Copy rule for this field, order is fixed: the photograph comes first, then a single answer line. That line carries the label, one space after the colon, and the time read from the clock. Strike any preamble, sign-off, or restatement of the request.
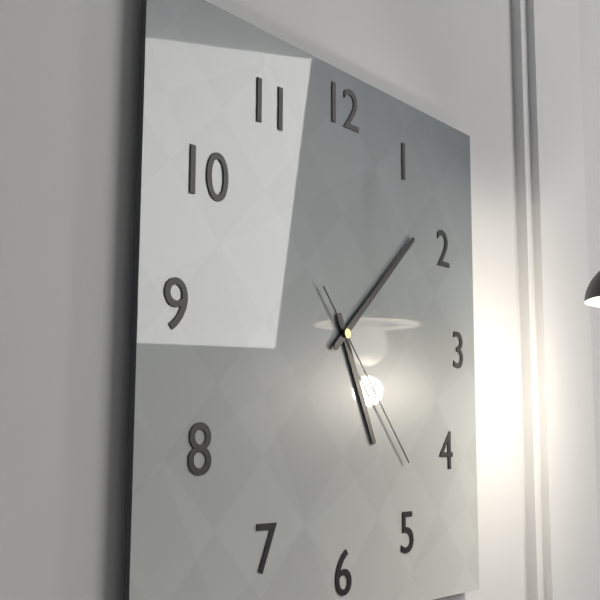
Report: 5:08:23
